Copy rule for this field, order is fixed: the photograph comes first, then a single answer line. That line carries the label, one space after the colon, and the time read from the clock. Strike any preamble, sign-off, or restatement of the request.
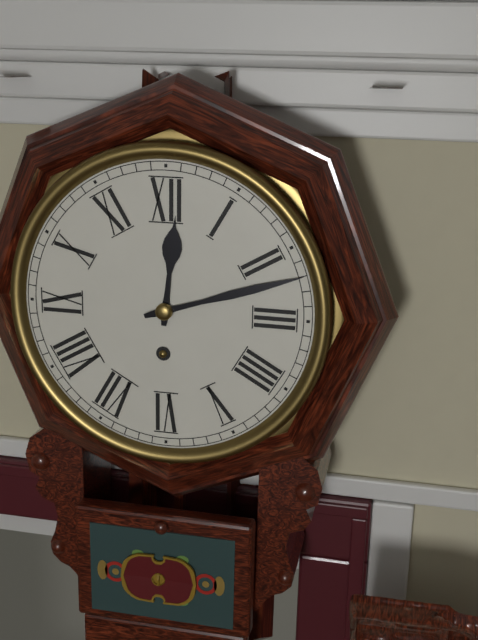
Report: 12:12
